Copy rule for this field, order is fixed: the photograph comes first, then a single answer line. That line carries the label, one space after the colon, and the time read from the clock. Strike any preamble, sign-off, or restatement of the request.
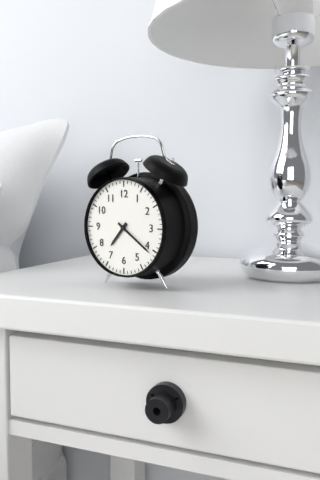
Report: 7:21
